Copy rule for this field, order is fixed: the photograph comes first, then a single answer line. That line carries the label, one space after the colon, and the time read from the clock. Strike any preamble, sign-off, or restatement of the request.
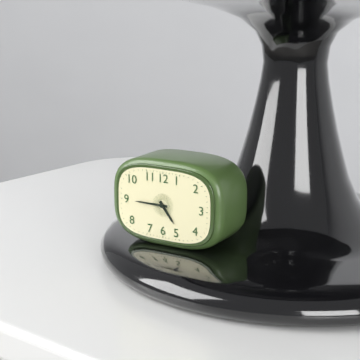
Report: 4:45
